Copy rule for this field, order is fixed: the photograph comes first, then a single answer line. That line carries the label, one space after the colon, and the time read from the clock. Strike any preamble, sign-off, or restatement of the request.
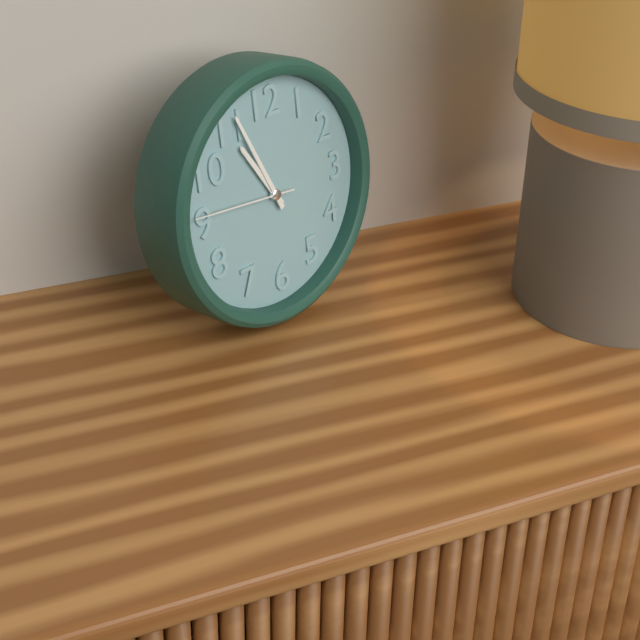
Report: 10:56:46
